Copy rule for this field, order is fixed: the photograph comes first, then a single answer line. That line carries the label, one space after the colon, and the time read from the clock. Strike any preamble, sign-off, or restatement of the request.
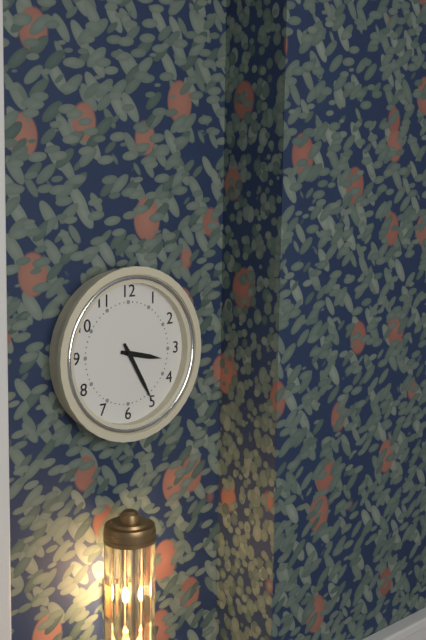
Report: 3:25
